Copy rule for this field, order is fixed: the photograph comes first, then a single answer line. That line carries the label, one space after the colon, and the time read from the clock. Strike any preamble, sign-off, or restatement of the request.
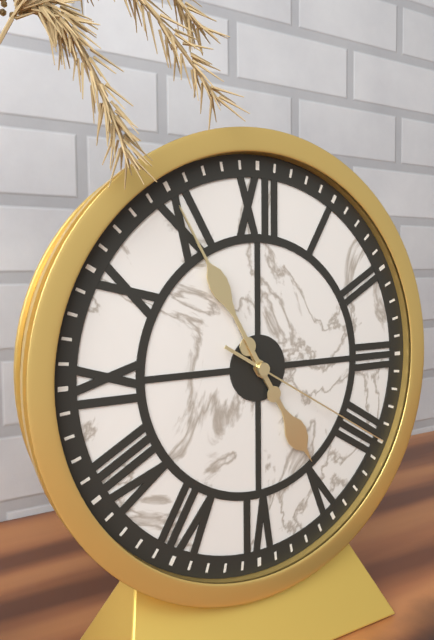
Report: 4:55:20
